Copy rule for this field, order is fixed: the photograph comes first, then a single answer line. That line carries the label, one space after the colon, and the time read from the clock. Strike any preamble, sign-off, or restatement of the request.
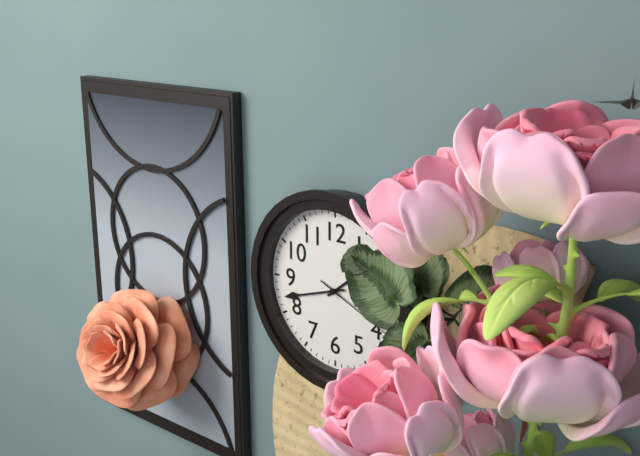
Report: 1:42:19
